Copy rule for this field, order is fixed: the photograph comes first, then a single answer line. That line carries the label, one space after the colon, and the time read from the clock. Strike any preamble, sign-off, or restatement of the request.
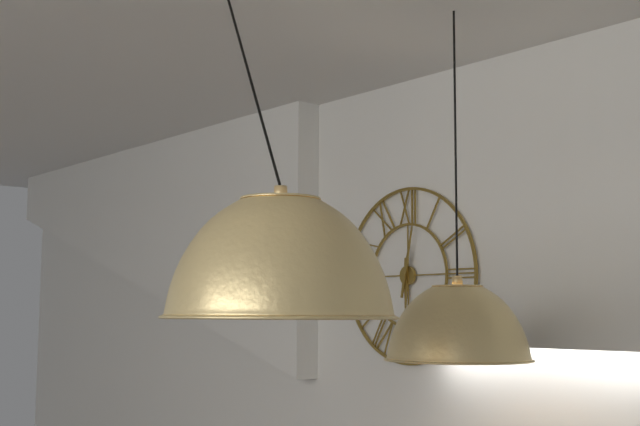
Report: 6:02
